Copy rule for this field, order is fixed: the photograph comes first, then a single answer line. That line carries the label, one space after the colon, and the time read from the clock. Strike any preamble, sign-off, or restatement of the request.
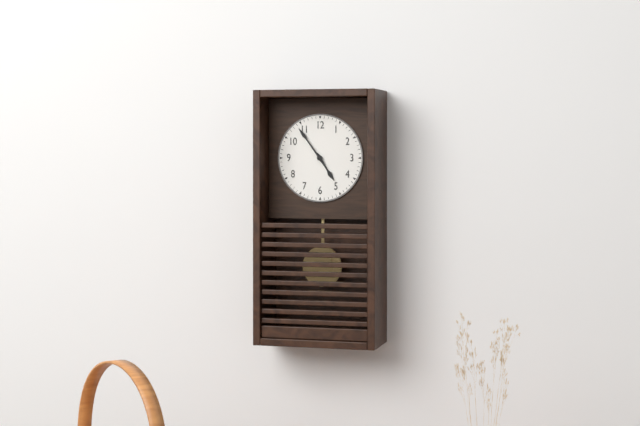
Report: 4:54
